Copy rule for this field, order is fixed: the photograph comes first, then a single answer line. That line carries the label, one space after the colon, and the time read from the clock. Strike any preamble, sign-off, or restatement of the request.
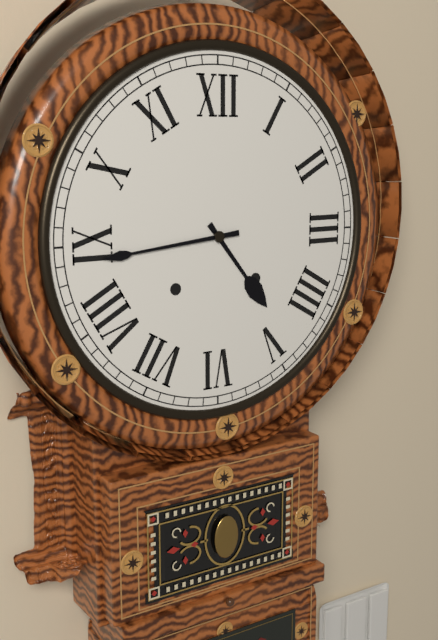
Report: 4:44
